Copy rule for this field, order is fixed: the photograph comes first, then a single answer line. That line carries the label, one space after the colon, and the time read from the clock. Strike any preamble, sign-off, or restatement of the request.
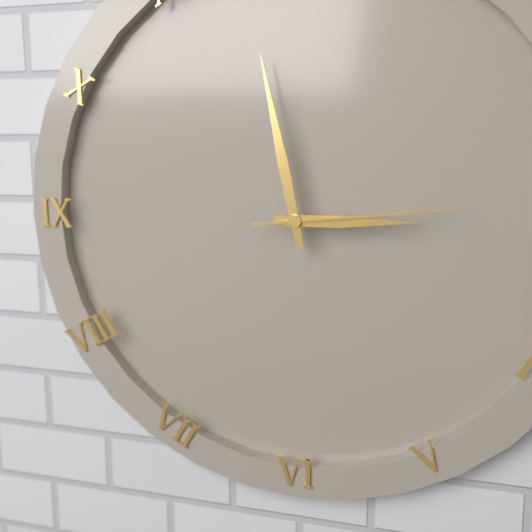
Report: 2:58:14
